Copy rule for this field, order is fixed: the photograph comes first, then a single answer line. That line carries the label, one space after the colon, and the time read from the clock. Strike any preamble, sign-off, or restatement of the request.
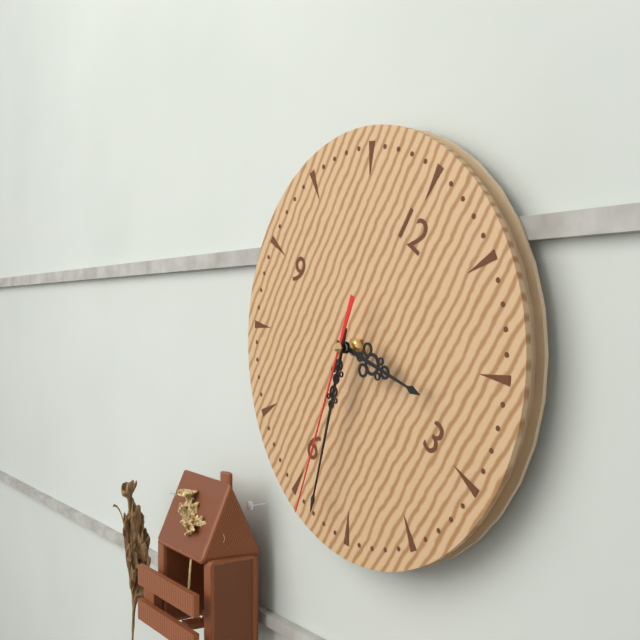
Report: 2:27:28
